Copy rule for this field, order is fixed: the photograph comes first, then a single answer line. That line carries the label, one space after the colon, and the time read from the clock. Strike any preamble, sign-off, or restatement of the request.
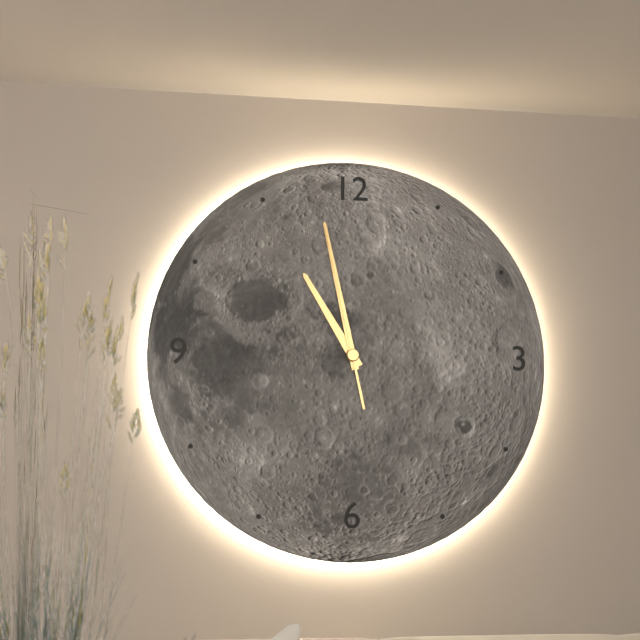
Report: 10:58:58
